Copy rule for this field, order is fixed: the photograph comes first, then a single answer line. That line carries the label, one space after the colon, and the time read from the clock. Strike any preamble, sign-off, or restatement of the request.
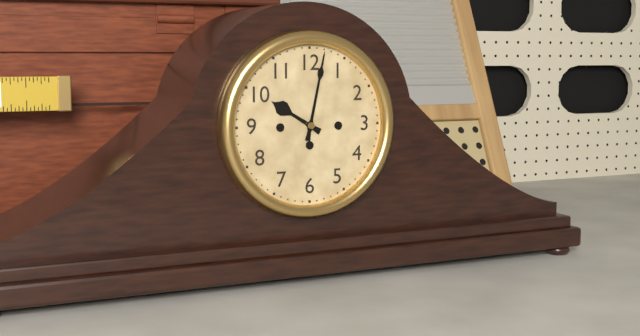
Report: 10:02
